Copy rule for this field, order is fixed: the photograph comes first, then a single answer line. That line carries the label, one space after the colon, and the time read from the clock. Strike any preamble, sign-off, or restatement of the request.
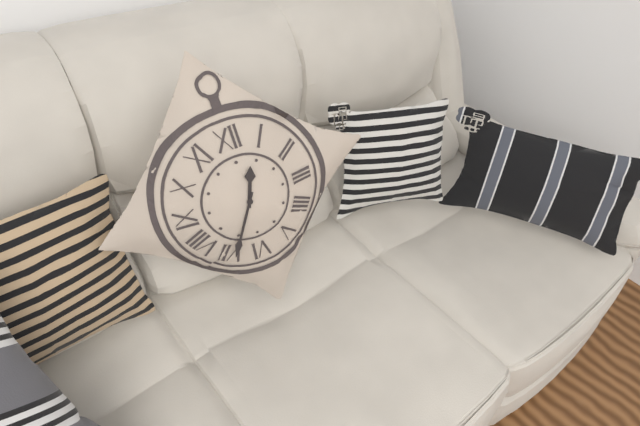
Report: 12:35
